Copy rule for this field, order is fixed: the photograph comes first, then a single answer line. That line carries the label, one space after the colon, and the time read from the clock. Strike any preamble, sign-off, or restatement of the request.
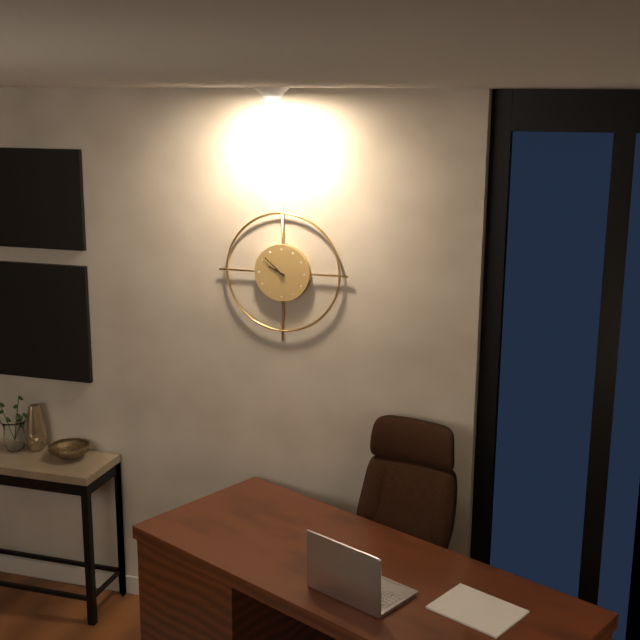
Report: 9:52
